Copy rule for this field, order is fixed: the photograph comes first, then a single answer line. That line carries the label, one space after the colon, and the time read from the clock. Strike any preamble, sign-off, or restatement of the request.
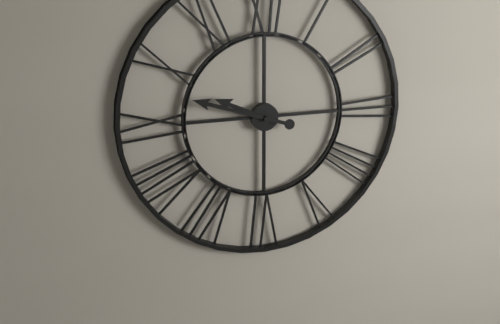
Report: 9:48
